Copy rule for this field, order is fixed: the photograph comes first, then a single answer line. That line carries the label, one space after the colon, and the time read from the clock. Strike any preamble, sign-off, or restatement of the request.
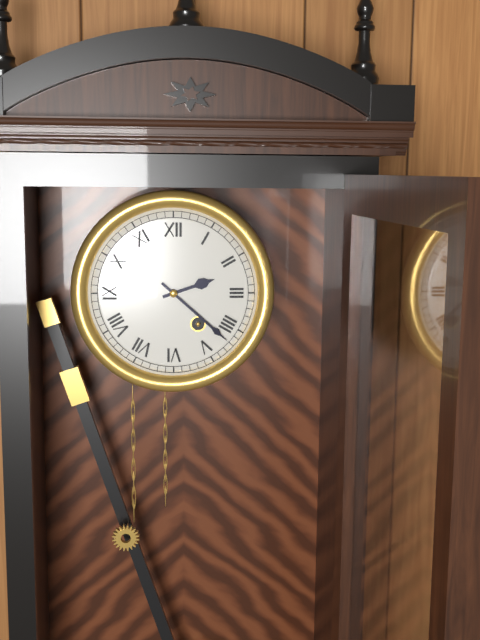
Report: 2:22
